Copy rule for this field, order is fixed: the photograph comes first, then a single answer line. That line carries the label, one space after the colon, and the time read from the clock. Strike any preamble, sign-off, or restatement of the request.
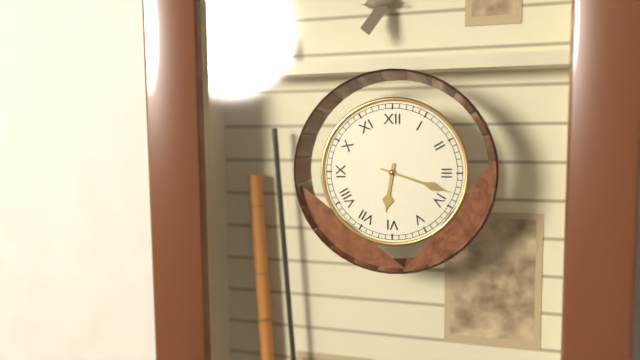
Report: 6:18
